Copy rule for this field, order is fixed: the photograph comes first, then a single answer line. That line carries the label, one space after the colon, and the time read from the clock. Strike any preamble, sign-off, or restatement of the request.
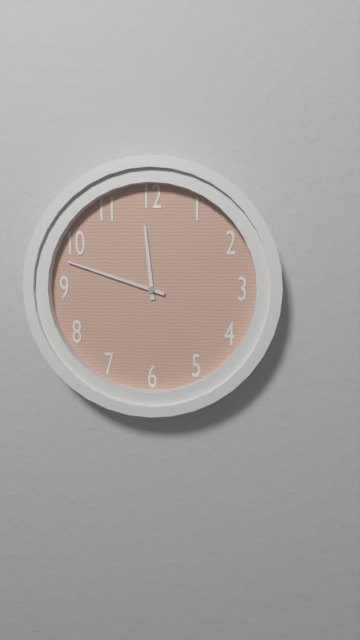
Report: 11:48
